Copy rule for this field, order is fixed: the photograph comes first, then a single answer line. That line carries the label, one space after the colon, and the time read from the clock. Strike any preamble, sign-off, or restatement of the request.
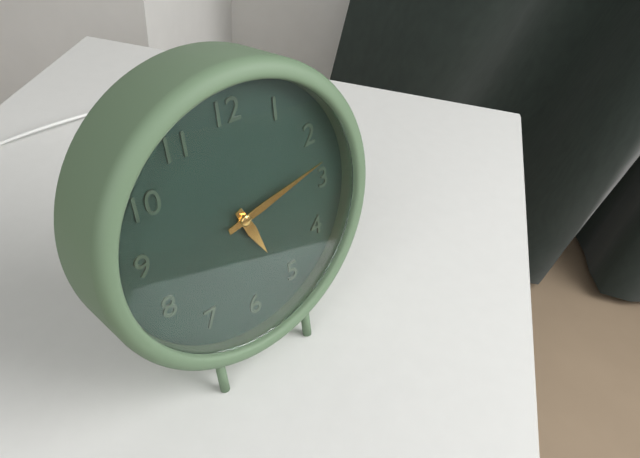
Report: 5:13
